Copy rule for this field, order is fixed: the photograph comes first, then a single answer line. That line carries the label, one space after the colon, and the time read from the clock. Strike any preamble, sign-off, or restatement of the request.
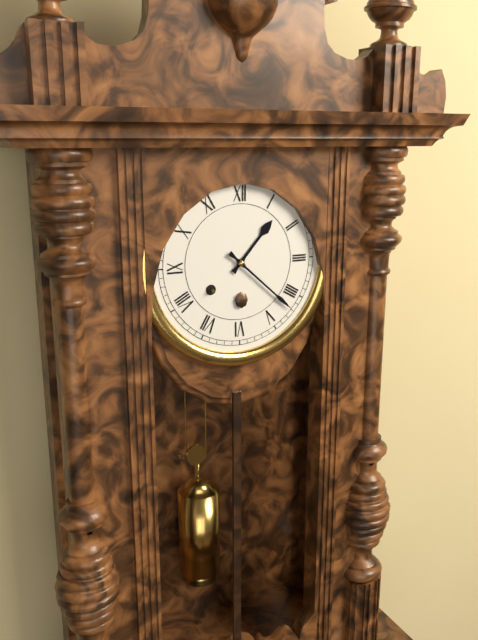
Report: 1:22
